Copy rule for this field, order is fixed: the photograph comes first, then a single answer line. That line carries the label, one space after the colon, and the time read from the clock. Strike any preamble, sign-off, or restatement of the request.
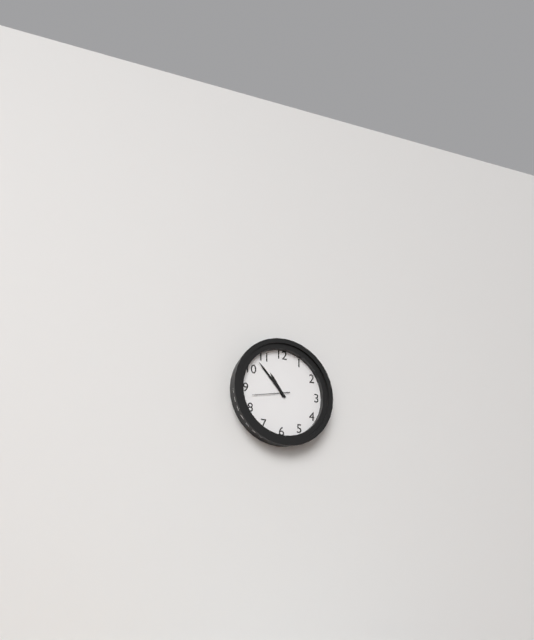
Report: 10:53
